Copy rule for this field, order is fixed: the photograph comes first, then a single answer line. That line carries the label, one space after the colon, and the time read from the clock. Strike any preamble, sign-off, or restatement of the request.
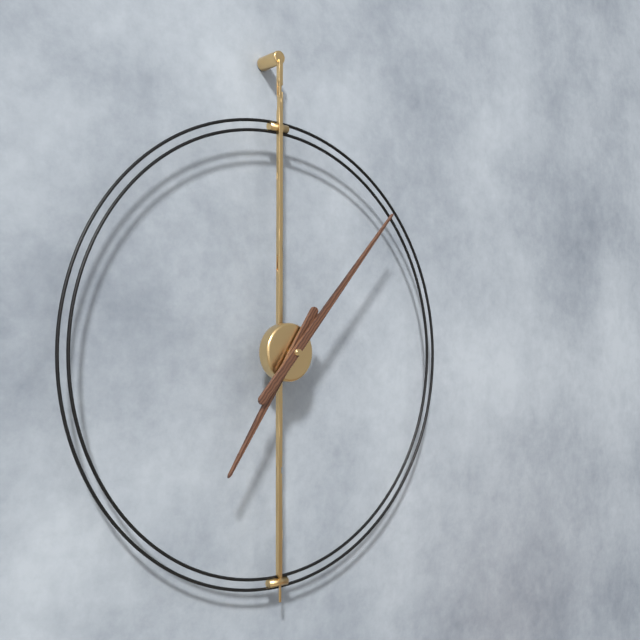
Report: 7:07
